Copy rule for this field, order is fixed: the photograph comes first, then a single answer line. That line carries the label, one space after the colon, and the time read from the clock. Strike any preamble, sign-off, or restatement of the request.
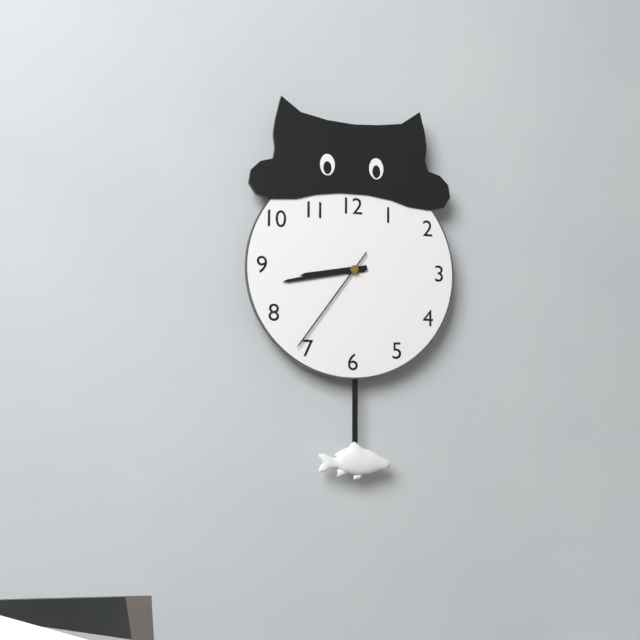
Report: 8:43:36
